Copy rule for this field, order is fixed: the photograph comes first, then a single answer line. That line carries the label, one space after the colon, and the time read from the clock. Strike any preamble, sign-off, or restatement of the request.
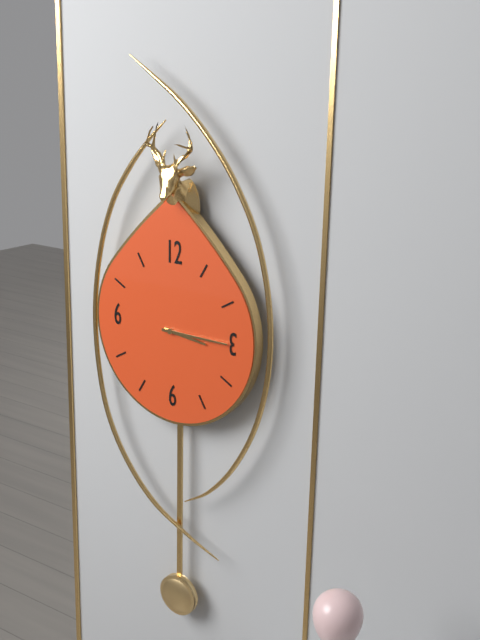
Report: 3:15
